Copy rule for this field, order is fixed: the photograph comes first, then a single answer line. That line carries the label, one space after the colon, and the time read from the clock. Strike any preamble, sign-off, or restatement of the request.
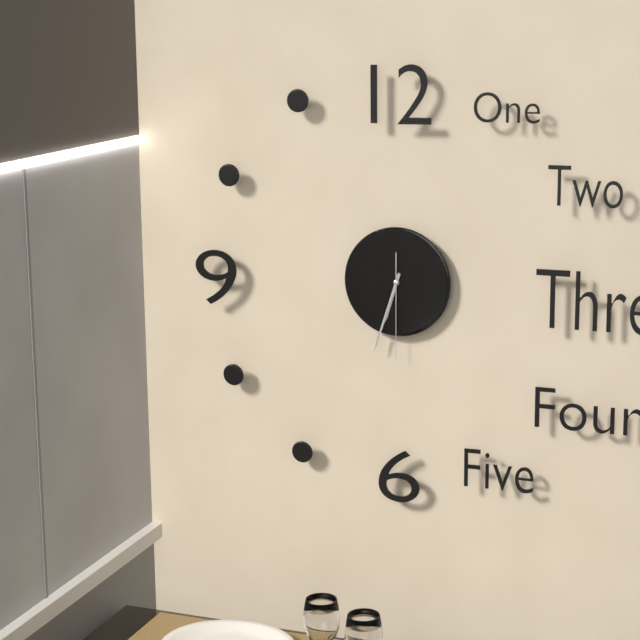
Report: 6:33:30
